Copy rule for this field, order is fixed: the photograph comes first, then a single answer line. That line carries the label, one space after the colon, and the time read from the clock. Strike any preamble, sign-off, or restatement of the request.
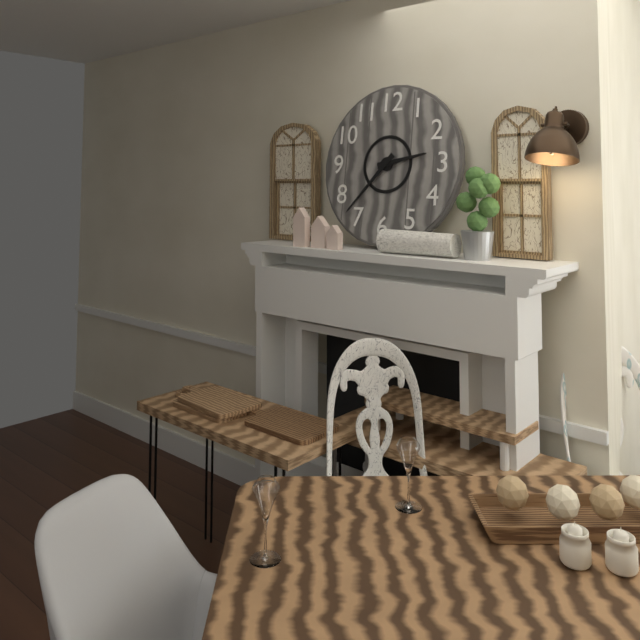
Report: 2:37
